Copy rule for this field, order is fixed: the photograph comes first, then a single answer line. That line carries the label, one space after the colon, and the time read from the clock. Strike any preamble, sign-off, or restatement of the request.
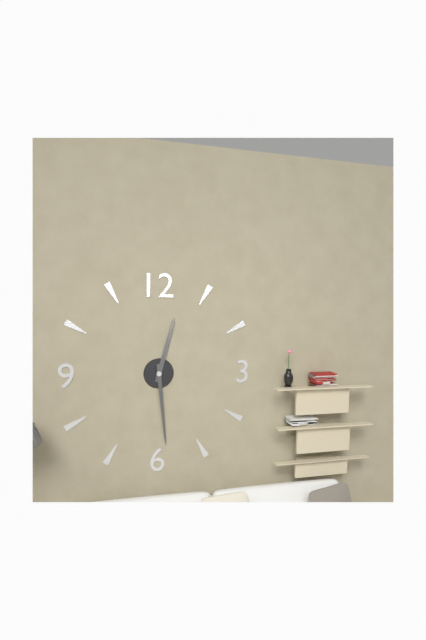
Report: 12:29
